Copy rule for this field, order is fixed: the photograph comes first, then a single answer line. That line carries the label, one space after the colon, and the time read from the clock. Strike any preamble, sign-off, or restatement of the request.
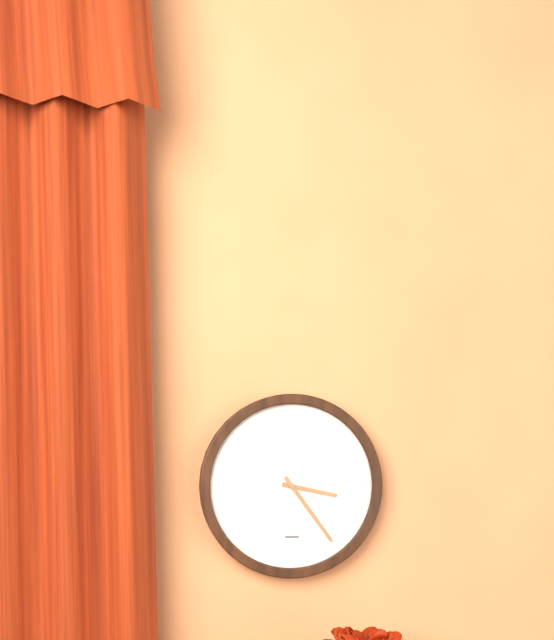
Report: 3:24
